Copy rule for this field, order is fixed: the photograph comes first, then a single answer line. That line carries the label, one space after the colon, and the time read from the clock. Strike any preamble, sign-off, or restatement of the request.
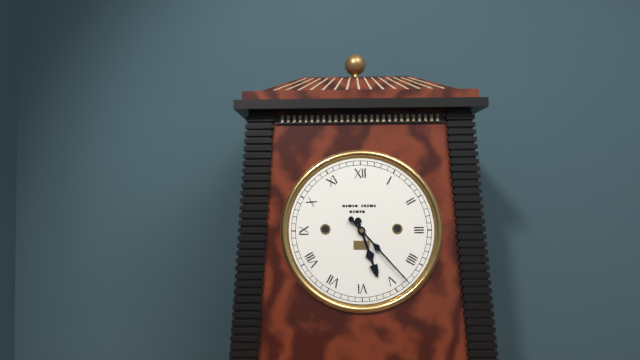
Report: 5:23
